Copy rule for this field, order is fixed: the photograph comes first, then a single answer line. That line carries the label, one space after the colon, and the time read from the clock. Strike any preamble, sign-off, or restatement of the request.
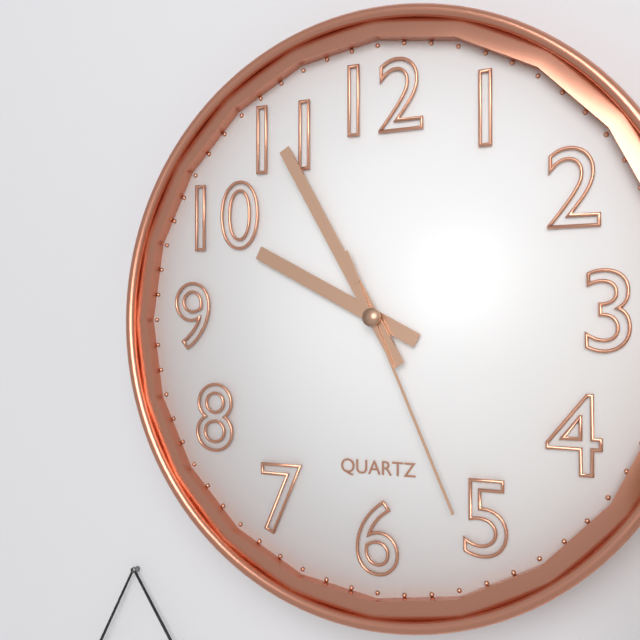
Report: 9:55:26
